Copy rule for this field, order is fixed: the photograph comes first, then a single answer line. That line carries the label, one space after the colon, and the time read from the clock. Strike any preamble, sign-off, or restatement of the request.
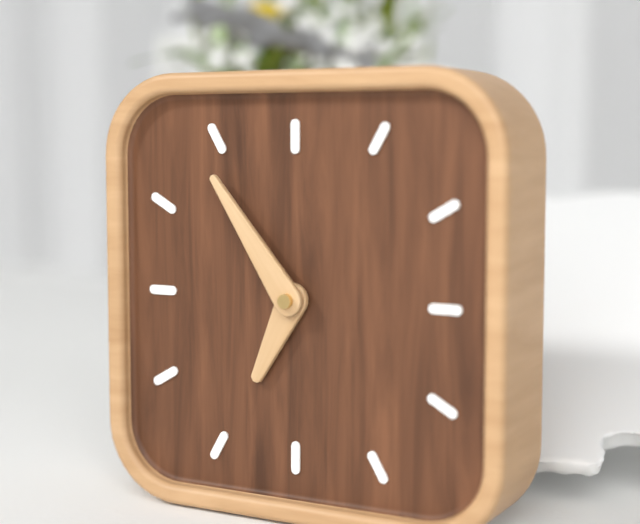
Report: 6:54
